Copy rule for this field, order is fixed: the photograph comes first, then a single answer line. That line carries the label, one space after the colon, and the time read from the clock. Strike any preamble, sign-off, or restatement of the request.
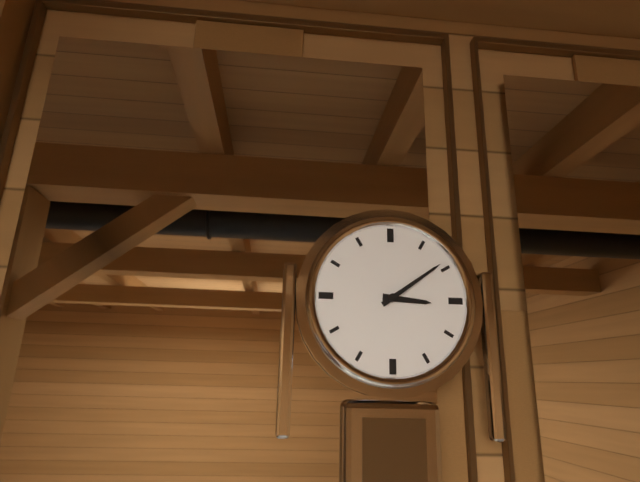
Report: 3:09
